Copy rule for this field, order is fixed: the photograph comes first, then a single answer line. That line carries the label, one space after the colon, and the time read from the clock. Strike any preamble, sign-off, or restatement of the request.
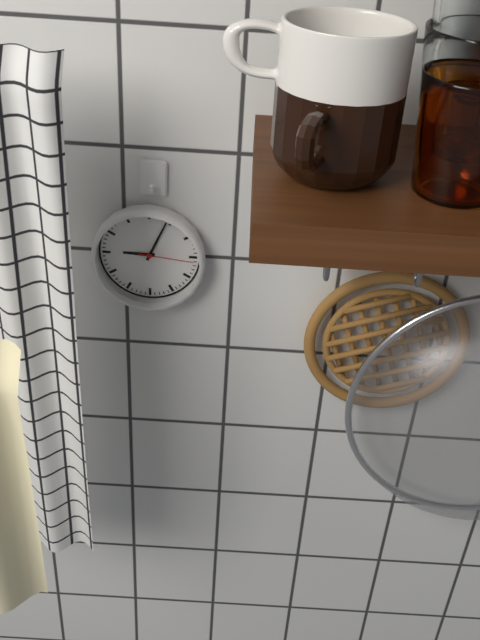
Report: 9:04:16
